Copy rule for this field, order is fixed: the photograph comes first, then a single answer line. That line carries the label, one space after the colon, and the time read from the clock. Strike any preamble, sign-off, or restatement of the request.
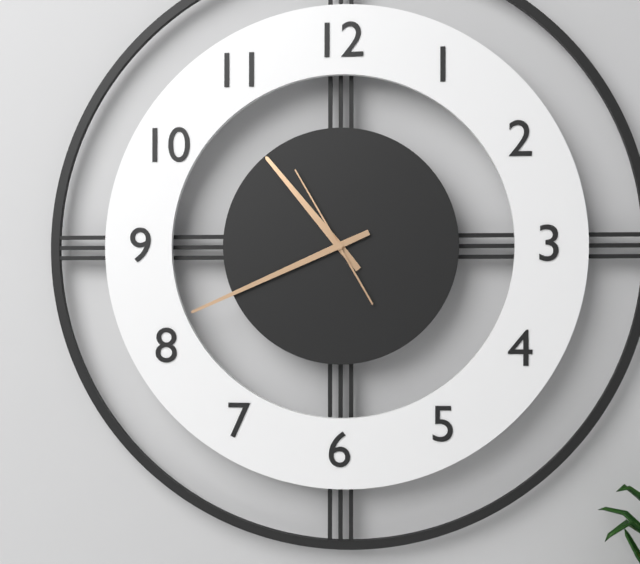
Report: 10:41:55
